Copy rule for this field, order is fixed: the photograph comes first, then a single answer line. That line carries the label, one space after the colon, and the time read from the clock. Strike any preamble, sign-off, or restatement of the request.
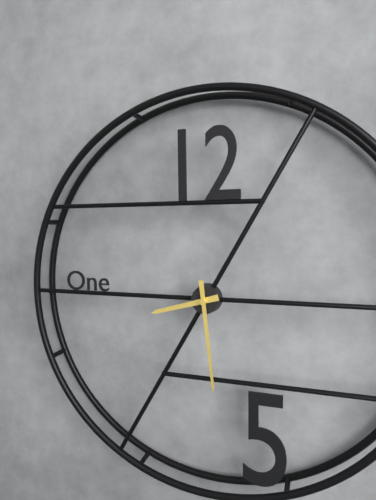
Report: 8:29
